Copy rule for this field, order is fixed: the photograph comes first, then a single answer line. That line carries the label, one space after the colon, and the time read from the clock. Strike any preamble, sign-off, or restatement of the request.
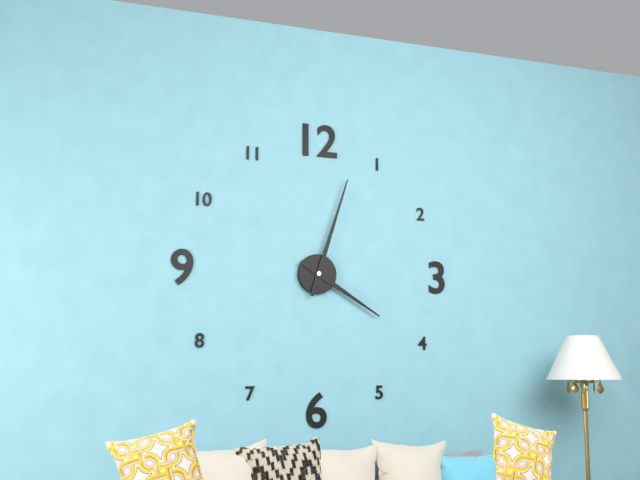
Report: 4:03
